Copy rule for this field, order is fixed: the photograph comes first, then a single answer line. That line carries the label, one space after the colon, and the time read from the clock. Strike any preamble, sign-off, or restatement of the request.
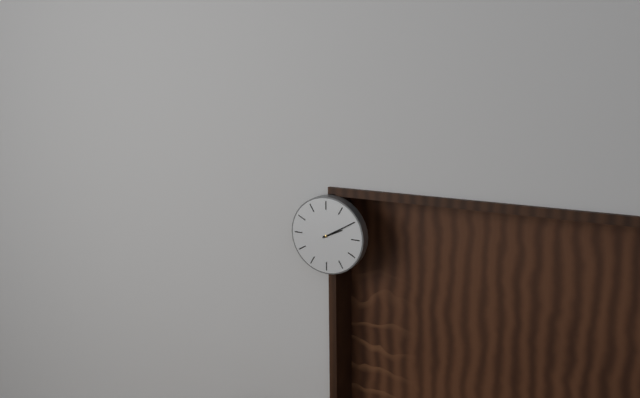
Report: 2:10
